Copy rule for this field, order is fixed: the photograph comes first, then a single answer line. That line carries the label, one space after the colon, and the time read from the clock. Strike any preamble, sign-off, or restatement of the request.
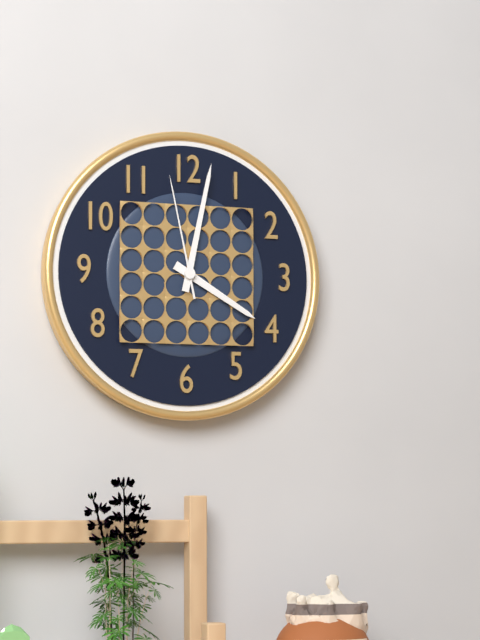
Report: 4:02:58
